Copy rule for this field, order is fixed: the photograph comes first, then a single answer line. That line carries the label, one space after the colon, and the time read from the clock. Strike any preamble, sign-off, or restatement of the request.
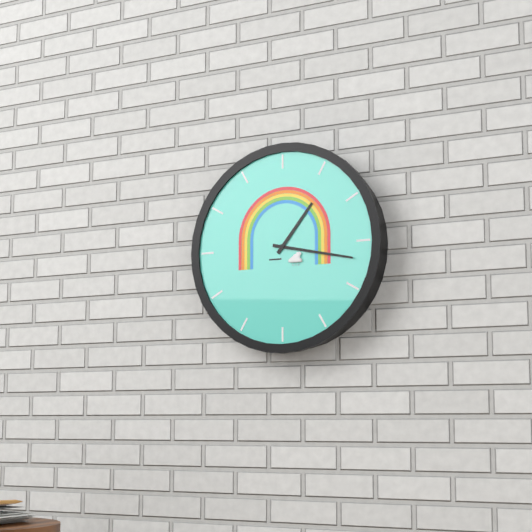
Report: 1:17
